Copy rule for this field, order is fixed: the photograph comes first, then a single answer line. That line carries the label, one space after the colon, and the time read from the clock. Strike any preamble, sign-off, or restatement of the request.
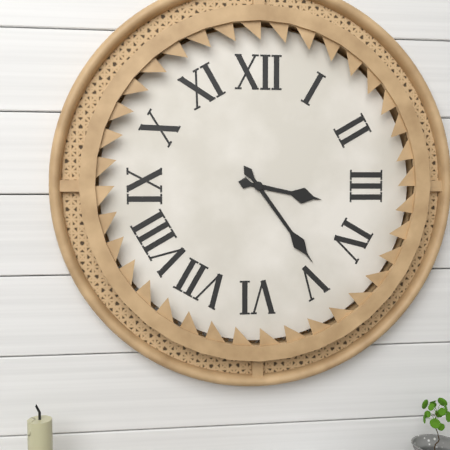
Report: 3:24
